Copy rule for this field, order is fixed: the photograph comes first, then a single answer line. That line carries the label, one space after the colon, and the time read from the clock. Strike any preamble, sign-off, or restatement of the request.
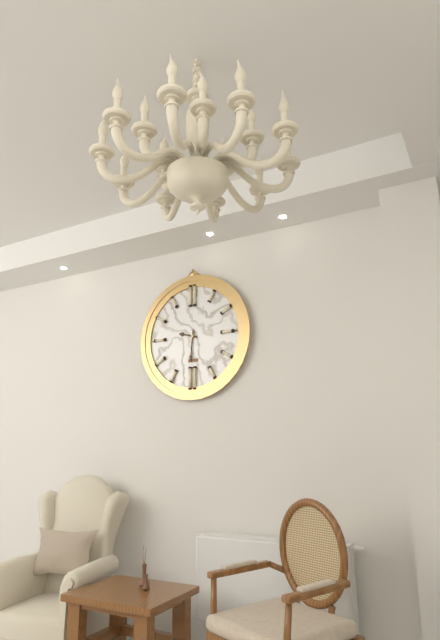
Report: 9:31
